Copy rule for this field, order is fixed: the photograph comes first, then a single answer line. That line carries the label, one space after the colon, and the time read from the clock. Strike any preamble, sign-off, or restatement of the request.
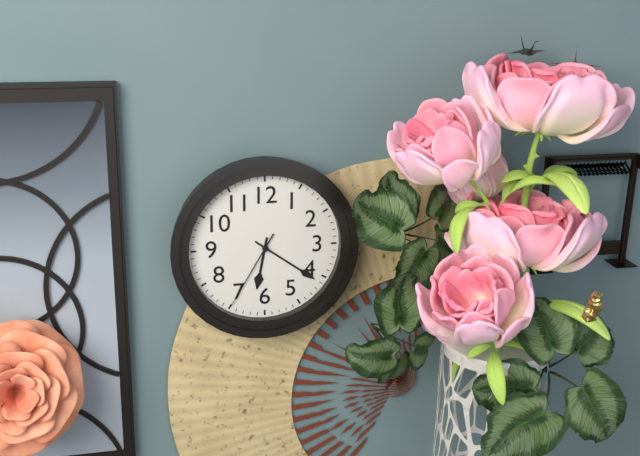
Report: 6:21:35
